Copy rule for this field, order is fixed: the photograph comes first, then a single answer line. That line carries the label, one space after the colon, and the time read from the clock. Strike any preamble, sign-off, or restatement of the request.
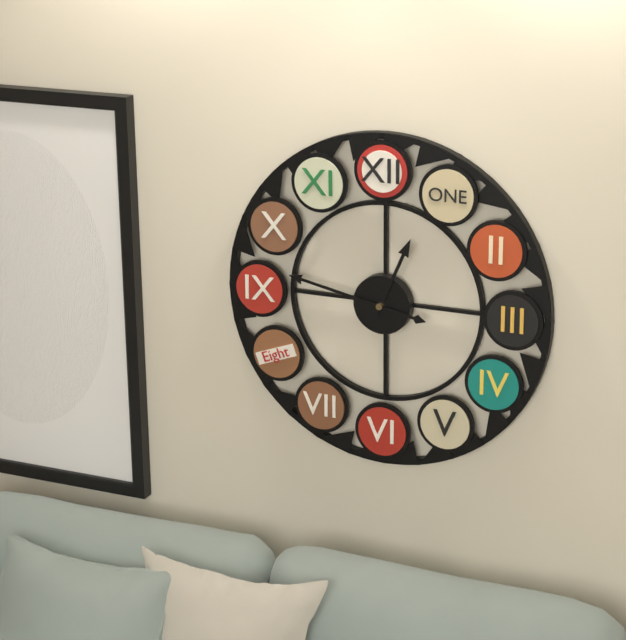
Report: 12:47
